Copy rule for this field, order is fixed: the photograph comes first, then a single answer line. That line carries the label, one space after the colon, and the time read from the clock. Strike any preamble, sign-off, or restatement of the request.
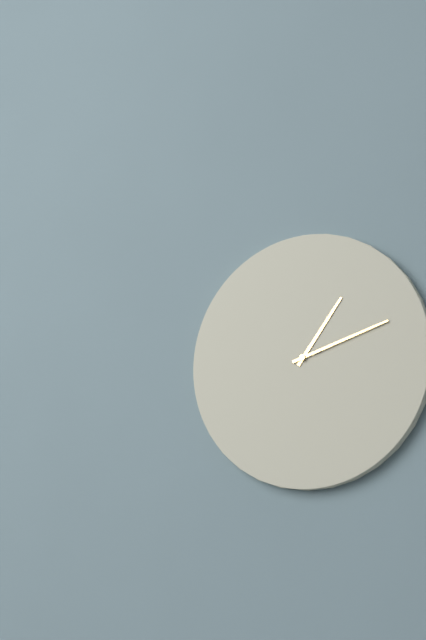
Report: 1:12
